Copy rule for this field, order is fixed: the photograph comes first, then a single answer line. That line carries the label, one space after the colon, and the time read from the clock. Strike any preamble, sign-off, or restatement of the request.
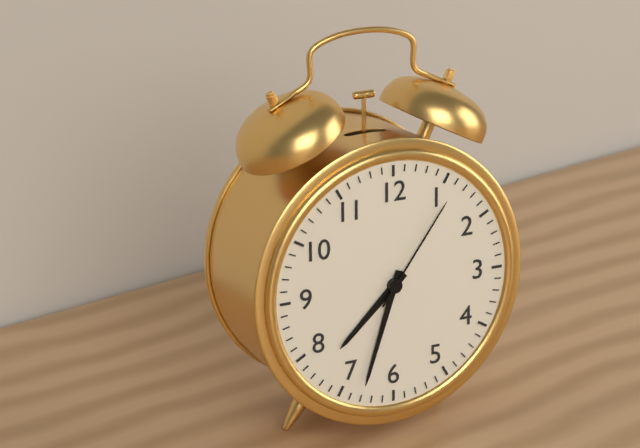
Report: 7:33:06
